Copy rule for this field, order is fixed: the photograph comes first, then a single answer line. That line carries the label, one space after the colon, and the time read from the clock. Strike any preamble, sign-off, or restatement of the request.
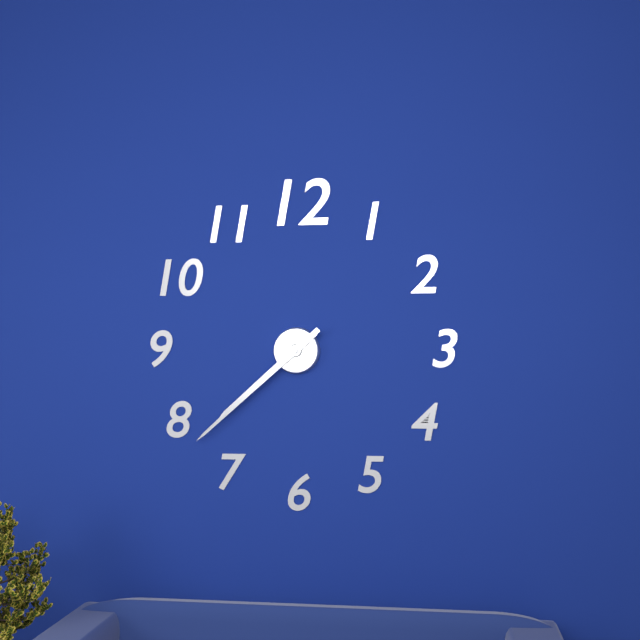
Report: 7:38
